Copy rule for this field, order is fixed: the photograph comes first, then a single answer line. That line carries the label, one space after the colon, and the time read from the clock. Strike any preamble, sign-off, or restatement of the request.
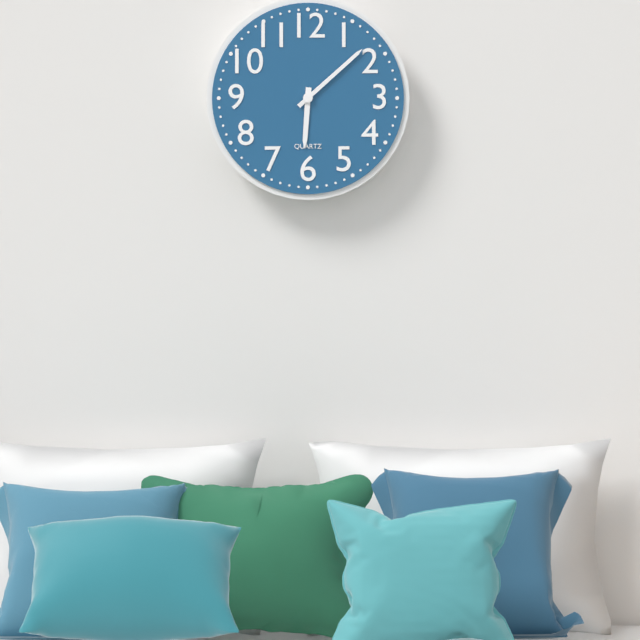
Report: 6:08
